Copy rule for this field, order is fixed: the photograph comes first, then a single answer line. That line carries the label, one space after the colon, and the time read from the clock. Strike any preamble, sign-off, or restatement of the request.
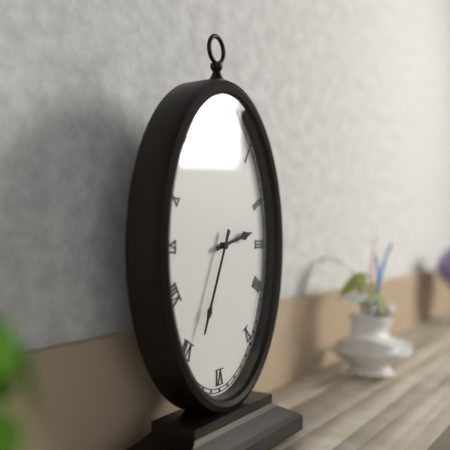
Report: 2:34
